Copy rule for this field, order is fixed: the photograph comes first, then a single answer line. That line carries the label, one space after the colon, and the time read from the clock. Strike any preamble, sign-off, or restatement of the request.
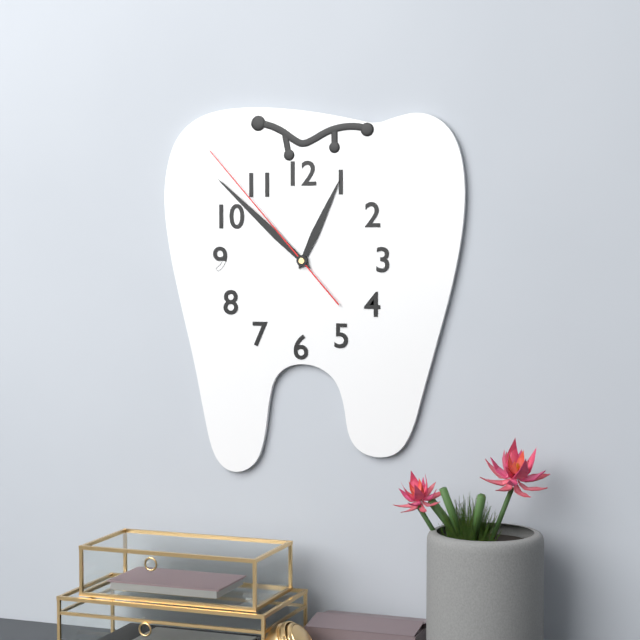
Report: 12:52:53
